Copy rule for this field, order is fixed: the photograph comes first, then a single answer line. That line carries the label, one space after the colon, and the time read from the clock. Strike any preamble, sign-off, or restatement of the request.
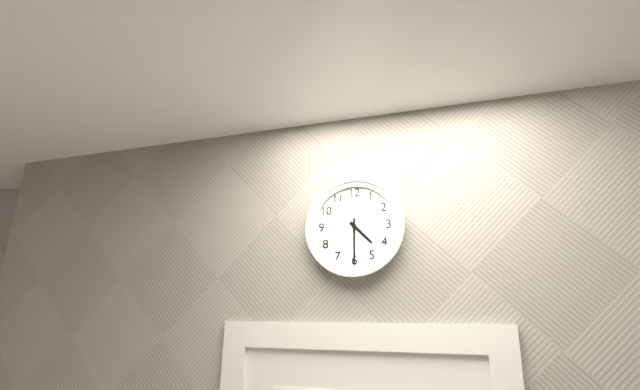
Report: 4:30
